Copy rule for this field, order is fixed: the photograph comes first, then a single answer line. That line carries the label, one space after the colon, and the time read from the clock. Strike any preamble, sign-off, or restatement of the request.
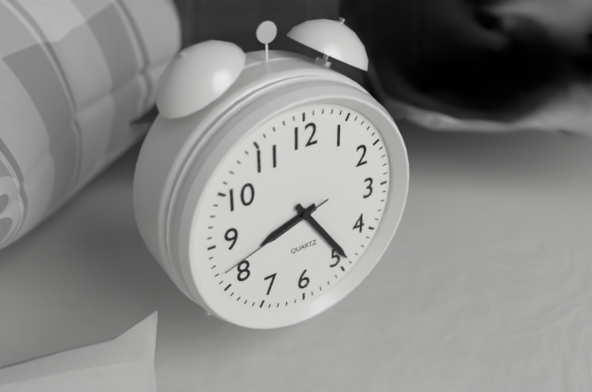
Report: 8:24:42
